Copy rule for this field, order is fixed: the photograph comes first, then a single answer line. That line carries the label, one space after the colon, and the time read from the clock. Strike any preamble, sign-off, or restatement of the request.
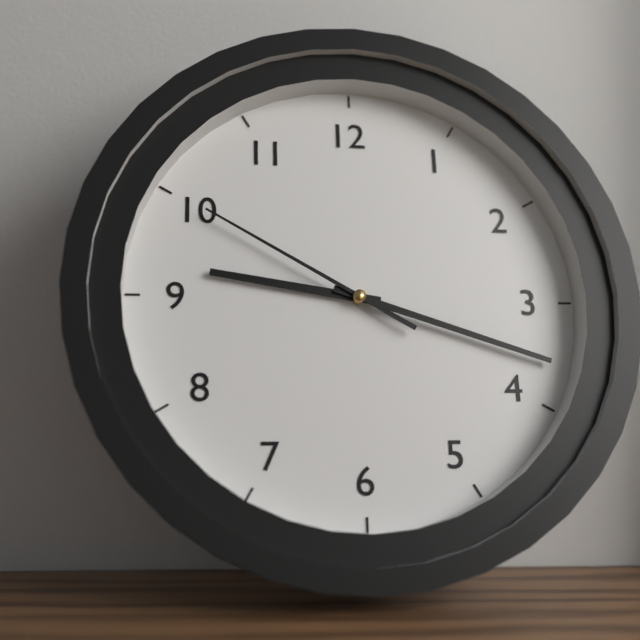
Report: 9:18:50
